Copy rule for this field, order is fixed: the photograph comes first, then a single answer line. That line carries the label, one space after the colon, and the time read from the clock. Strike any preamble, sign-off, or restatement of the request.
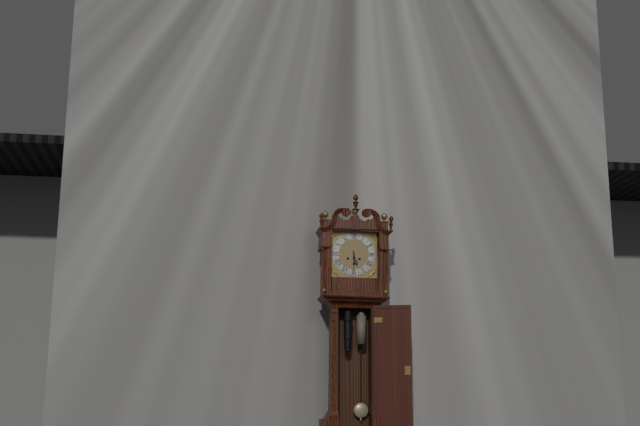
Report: 5:30
